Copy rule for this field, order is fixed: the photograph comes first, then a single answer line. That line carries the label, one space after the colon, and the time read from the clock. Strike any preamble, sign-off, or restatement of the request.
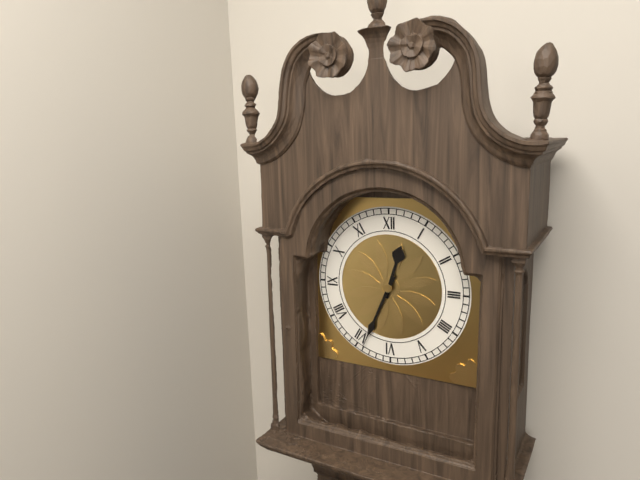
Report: 12:34
